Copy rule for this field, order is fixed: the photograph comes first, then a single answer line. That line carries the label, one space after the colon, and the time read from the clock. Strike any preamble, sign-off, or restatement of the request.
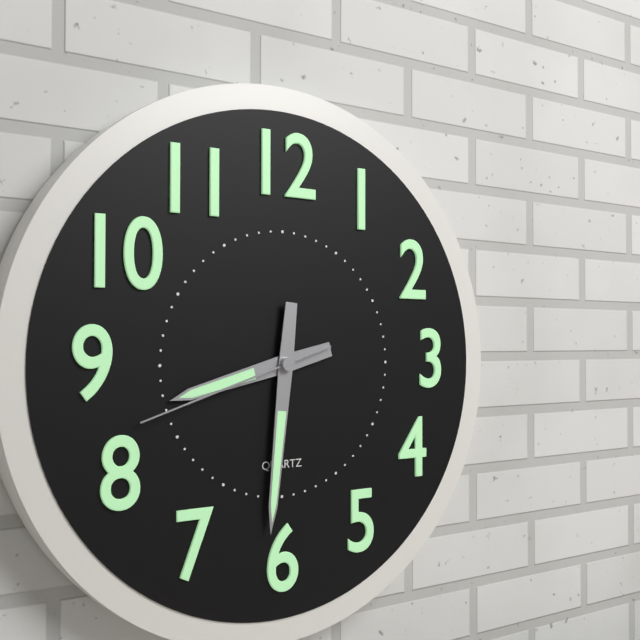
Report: 8:31:42
